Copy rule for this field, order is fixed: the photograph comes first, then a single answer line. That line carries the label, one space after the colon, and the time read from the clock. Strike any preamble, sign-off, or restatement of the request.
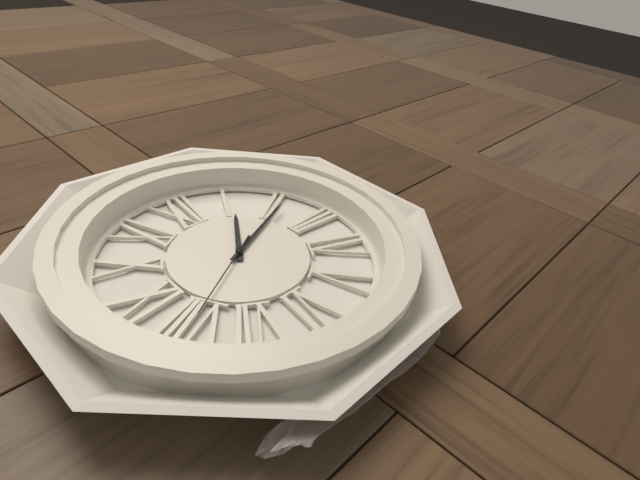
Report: 1:11:40
